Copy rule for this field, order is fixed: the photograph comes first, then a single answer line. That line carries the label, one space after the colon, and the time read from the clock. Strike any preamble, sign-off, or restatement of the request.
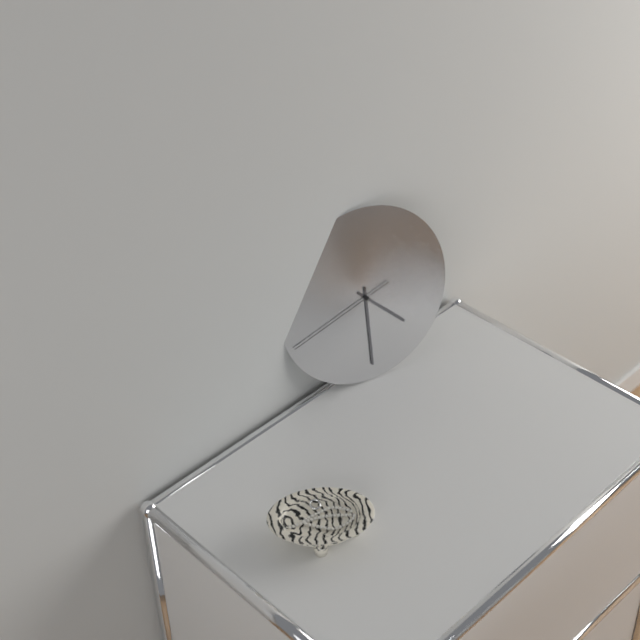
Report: 4:30:42
